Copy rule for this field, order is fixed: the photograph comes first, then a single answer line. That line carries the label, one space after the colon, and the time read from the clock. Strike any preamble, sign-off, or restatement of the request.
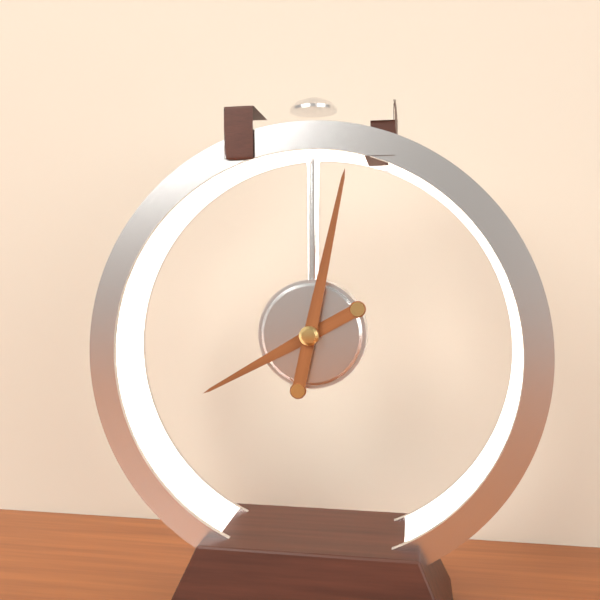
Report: 8:02
